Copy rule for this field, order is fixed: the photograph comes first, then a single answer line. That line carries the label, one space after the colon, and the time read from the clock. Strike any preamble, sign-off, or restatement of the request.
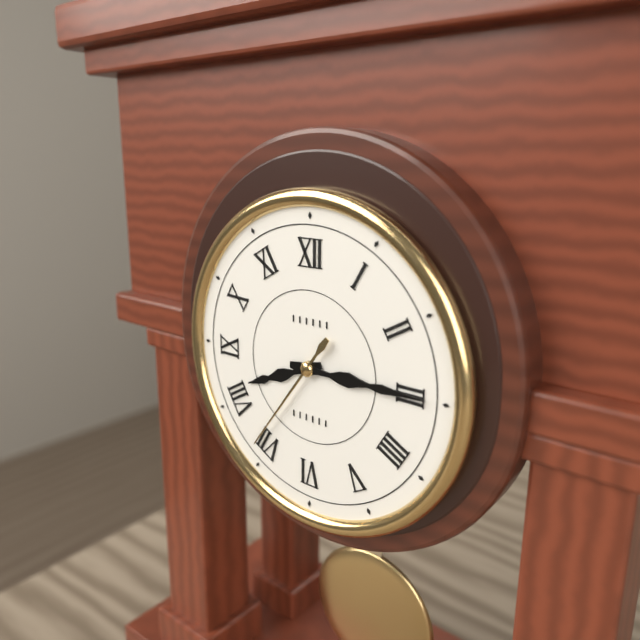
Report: 8:15:36
